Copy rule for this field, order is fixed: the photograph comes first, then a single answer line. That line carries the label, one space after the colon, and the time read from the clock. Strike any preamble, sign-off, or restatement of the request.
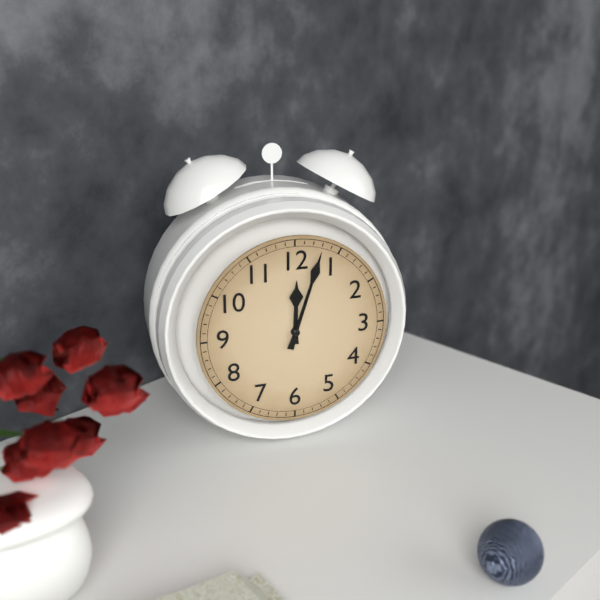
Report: 12:03
